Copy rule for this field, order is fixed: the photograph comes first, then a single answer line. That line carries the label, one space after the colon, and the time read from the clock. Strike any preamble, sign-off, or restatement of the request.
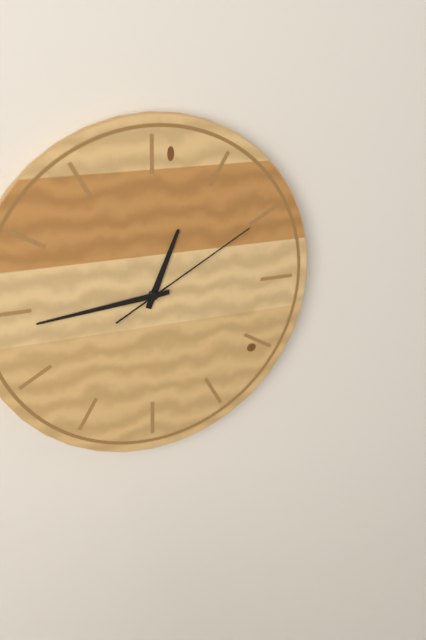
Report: 12:44:10
